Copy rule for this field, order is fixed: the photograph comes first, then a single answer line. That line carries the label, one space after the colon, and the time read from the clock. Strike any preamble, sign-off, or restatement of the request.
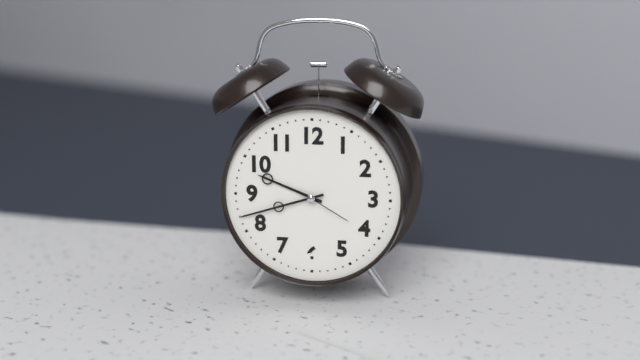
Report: 9:42:20
